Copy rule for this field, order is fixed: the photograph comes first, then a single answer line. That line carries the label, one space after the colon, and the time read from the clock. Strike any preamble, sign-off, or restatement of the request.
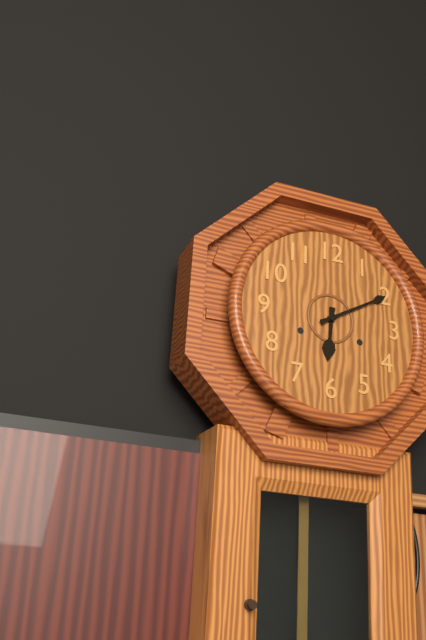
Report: 6:10
